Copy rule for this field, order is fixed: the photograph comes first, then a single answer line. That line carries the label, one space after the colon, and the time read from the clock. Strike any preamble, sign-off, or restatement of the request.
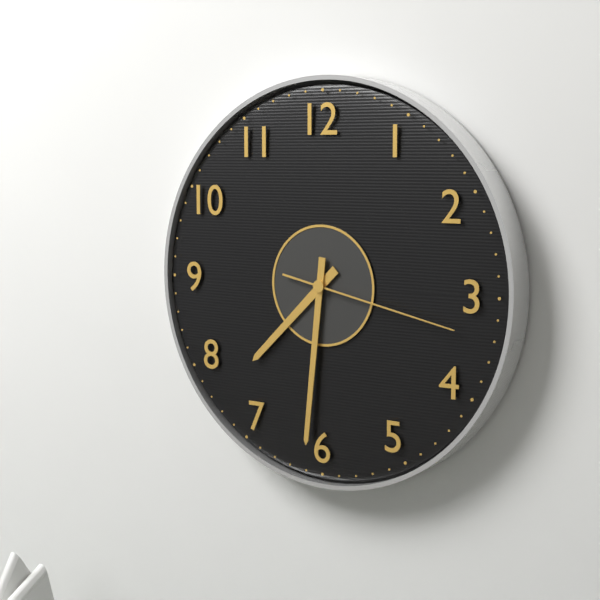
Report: 7:31:17
